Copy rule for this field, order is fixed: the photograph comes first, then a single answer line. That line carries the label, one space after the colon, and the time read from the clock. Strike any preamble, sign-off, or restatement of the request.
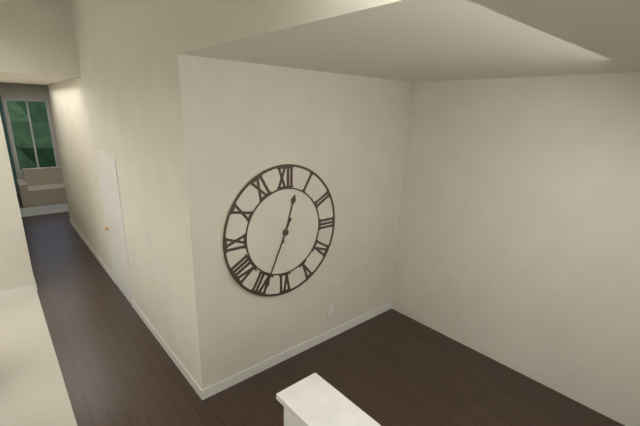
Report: 12:34
